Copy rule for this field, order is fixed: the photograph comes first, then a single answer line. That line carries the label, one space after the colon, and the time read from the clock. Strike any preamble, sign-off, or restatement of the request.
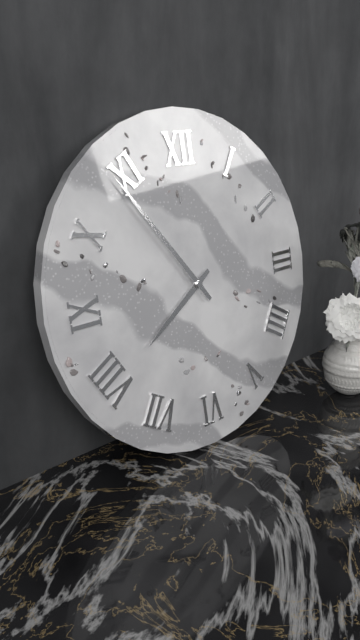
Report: 7:54
